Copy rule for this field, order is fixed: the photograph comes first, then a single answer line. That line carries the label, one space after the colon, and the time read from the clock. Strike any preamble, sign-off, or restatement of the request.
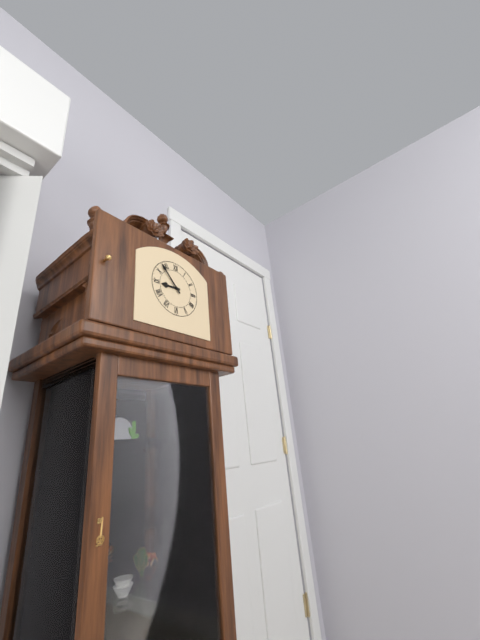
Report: 8:53
